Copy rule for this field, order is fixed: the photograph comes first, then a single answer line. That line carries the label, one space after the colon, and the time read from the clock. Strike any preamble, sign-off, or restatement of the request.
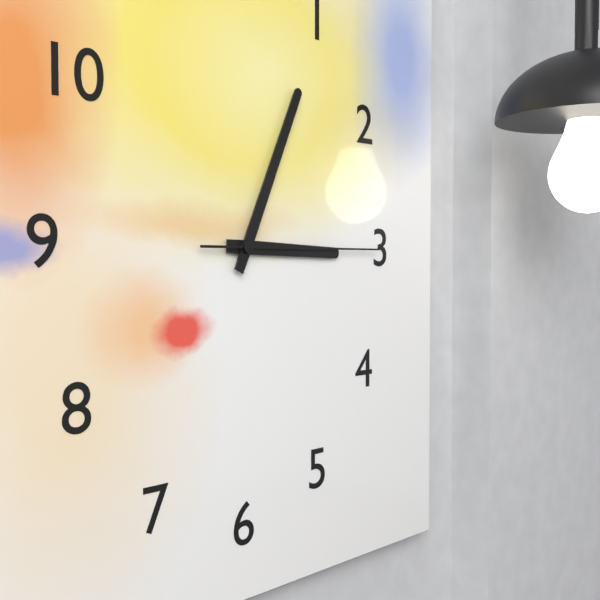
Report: 3:04:15
